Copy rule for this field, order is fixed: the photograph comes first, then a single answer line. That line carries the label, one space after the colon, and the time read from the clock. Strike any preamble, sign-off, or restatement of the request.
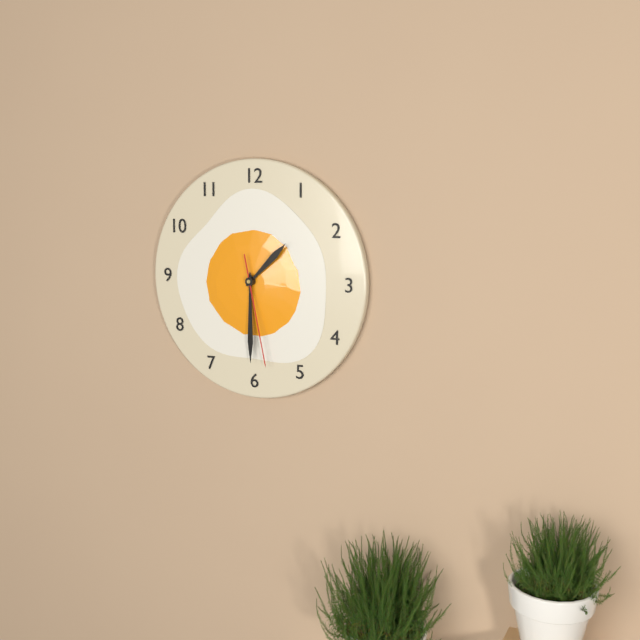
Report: 1:30:28
